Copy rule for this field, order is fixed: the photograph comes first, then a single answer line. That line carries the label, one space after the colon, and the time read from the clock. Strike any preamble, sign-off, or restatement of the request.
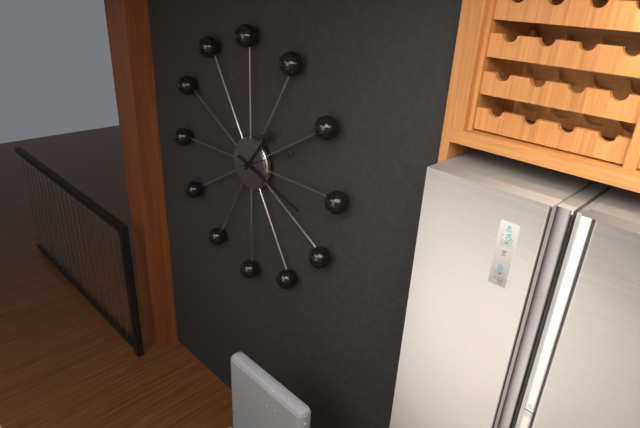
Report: 1:18:11
